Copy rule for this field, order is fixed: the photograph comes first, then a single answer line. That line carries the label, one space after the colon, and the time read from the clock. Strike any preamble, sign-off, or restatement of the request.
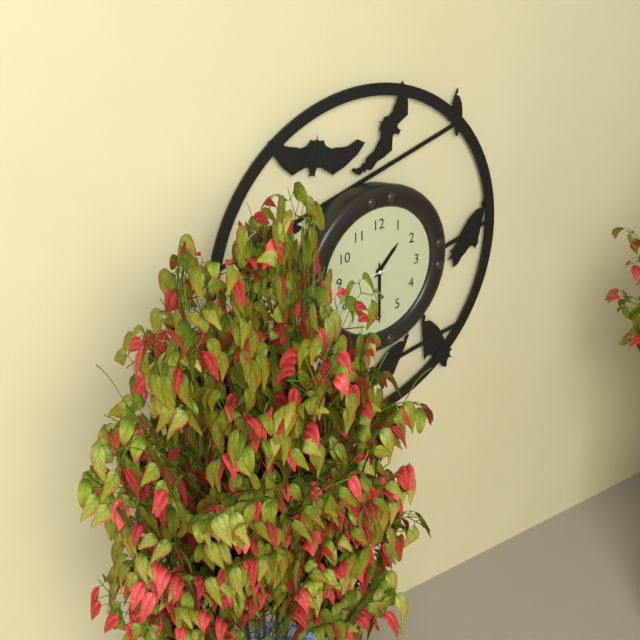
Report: 1:30:44
